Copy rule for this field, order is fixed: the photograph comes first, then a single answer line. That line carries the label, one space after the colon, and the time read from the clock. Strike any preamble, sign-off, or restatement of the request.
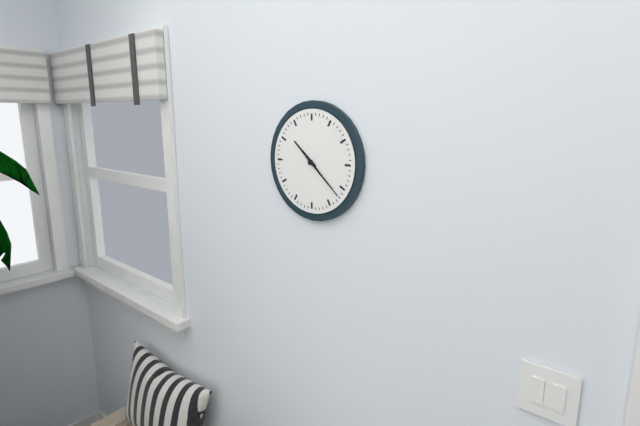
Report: 10:22
